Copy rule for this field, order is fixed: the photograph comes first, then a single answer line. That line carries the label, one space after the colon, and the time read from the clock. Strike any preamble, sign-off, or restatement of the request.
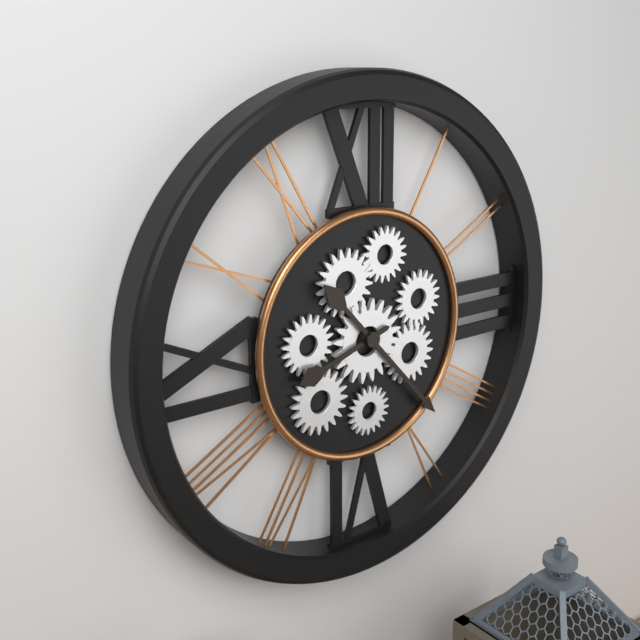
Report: 8:23
